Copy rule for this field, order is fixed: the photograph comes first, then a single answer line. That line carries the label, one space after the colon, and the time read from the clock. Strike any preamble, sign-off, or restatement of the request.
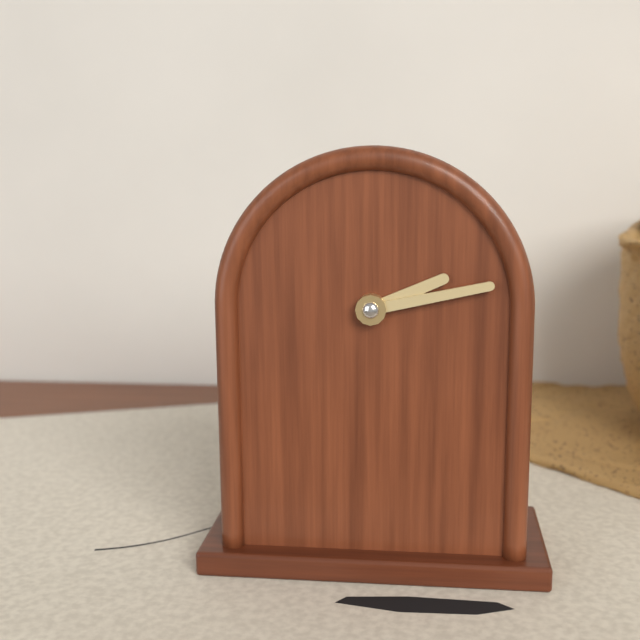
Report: 2:13
